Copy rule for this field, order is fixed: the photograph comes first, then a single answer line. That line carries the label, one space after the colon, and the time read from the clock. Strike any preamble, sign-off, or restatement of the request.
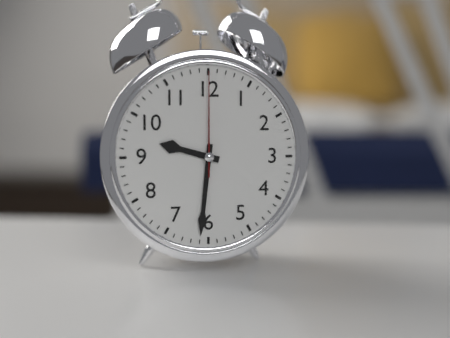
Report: 9:31:00
